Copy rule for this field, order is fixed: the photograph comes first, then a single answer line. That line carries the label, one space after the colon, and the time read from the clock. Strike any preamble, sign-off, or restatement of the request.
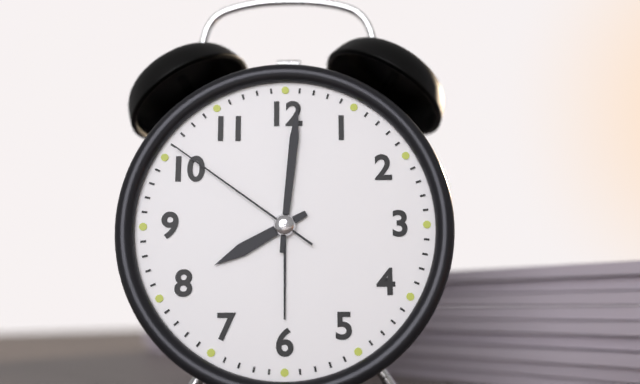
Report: 8:01:51
